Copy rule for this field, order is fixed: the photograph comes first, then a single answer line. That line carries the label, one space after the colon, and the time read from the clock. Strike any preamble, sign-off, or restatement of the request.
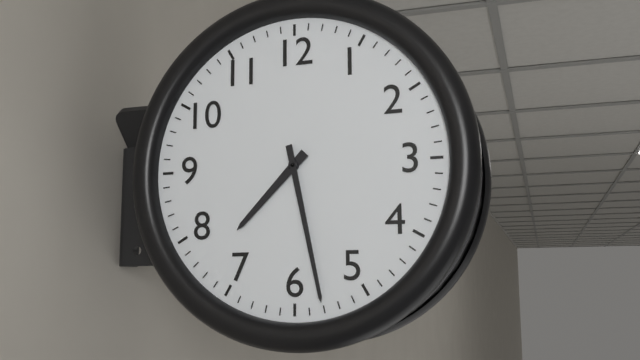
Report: 7:28
